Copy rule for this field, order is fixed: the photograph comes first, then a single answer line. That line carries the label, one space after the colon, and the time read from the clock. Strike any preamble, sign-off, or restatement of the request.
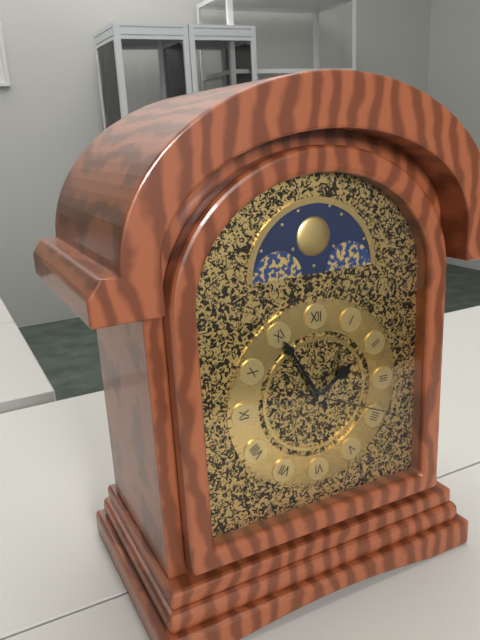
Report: 1:55:19
